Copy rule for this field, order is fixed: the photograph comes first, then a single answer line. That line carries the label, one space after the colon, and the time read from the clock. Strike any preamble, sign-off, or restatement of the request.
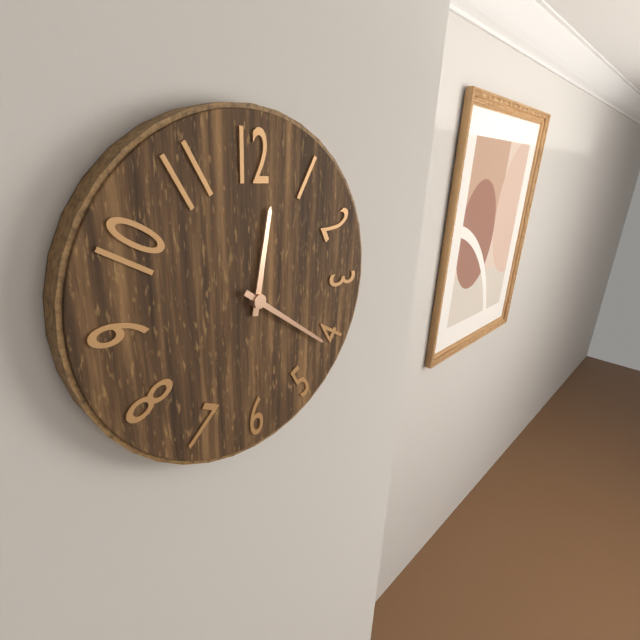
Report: 12:21
